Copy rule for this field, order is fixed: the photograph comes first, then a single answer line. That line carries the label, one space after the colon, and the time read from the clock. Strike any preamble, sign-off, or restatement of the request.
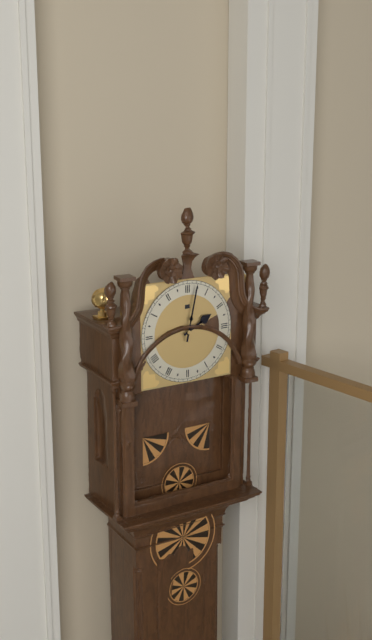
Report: 2:02
